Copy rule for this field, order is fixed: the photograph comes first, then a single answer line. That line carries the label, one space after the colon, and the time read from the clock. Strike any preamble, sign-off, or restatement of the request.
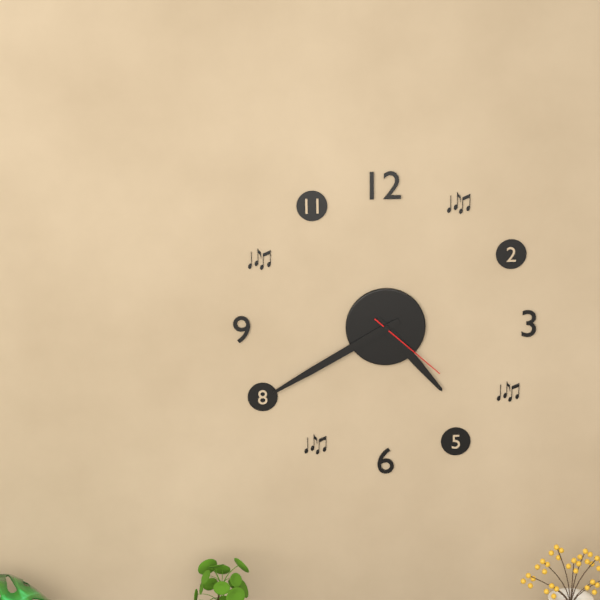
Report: 4:40:22
